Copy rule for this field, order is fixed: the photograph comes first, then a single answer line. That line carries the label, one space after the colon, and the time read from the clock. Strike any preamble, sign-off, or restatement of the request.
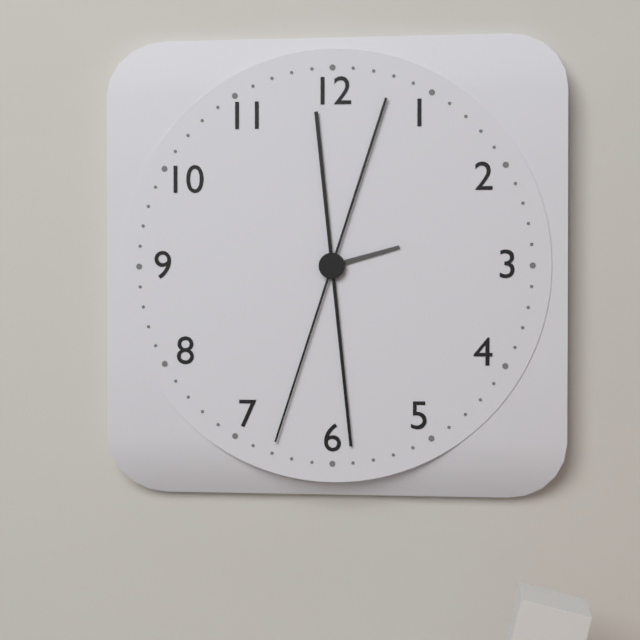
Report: 2:29:33
